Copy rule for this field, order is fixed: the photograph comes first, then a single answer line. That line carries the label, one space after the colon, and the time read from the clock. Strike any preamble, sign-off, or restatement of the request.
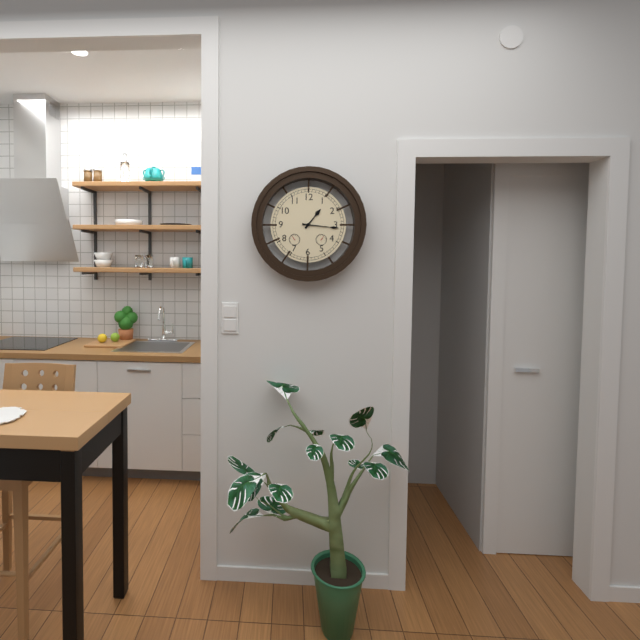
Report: 1:16
